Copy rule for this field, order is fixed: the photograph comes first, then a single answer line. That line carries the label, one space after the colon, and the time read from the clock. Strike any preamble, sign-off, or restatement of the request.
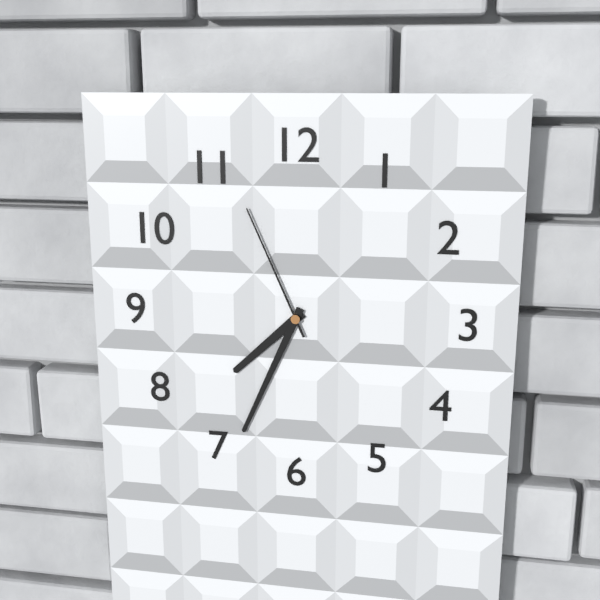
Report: 7:34:56
